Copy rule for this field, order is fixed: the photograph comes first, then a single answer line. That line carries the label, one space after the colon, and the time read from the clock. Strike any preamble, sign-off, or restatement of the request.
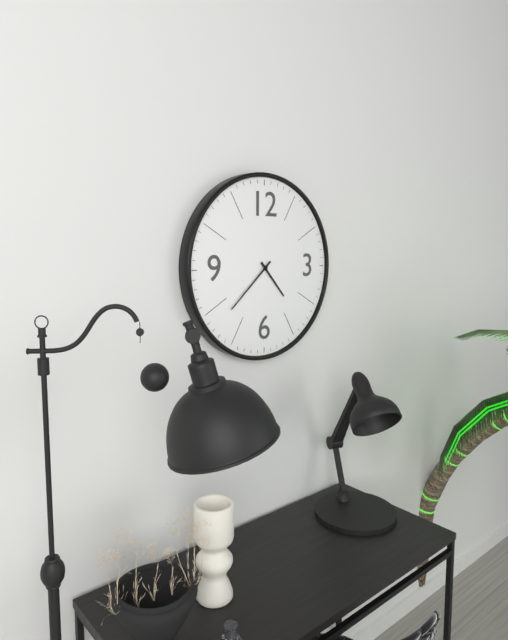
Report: 4:38
